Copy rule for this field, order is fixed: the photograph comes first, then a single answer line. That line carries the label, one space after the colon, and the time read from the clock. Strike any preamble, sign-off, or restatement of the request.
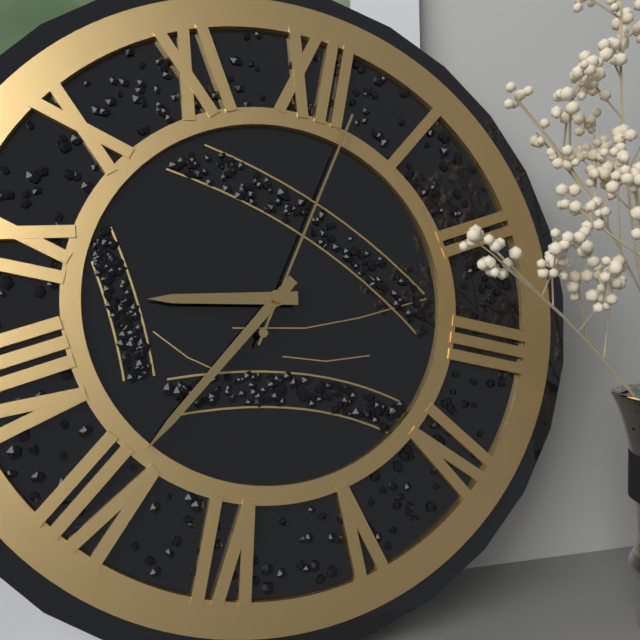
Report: 8:35:02
